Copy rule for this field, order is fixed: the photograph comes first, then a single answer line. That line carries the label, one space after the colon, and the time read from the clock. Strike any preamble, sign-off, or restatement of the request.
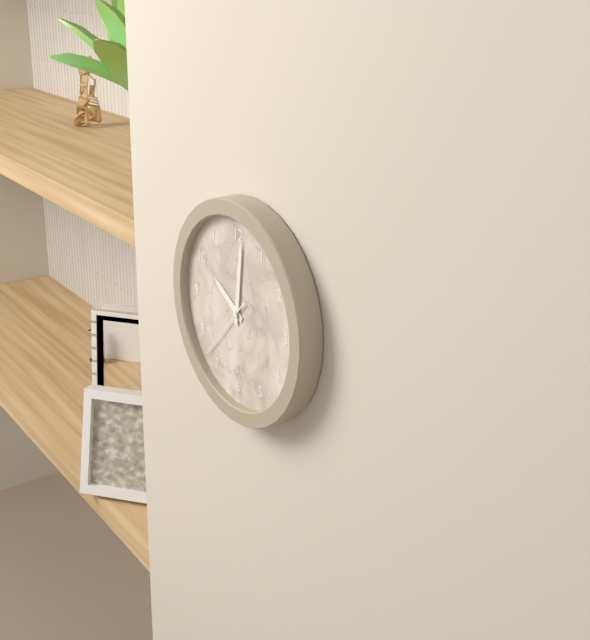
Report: 10:01:37
